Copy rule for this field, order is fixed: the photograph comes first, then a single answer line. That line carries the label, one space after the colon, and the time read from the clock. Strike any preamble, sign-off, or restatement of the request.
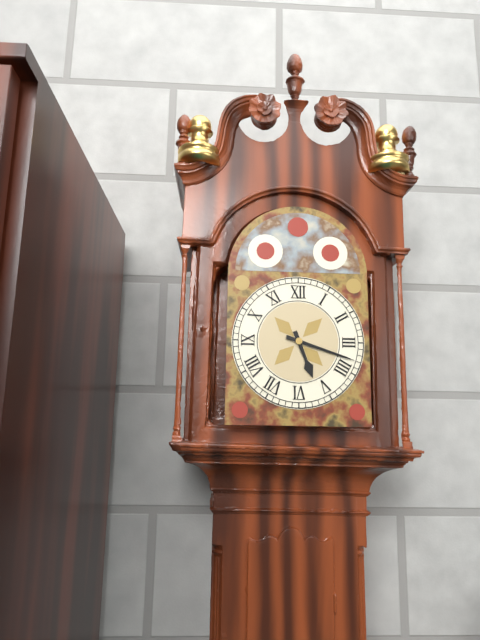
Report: 5:18
